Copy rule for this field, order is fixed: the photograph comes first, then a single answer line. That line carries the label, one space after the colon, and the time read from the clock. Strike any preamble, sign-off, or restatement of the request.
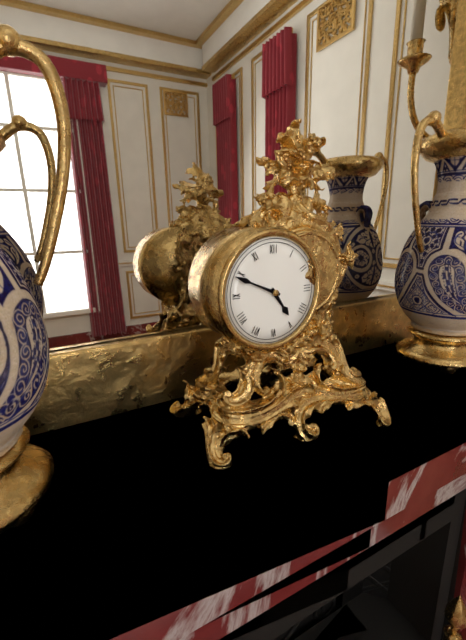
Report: 4:49
